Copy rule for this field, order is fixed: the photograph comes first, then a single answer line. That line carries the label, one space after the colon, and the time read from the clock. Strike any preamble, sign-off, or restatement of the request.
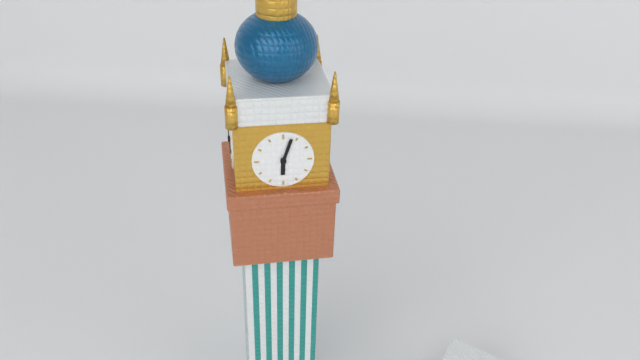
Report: 6:03
